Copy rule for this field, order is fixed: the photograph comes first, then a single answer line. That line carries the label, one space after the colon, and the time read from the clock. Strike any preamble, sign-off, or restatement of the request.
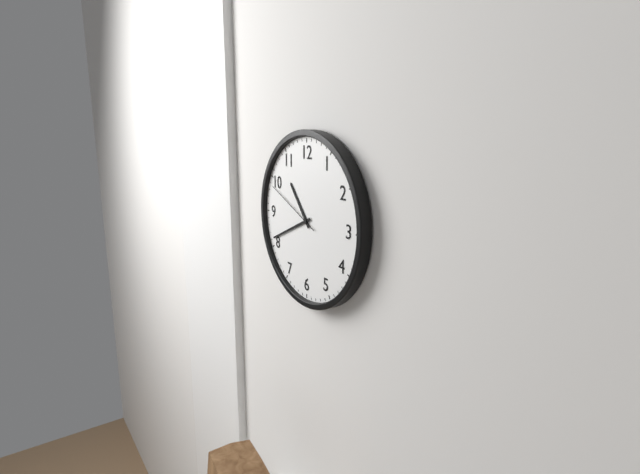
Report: 10:41:49
